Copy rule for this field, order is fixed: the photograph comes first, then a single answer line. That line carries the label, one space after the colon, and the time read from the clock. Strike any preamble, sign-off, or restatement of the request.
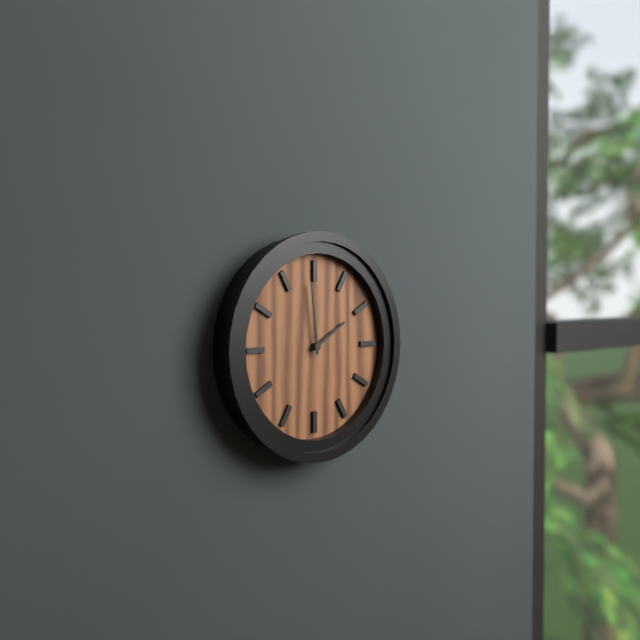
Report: 1:59
